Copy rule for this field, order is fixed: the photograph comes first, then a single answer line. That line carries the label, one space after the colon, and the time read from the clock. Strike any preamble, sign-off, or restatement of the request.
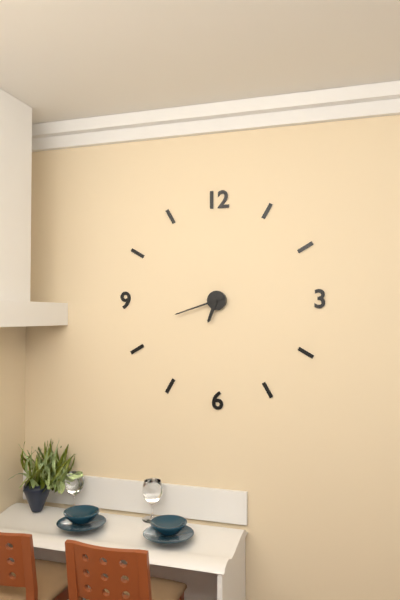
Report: 6:42
